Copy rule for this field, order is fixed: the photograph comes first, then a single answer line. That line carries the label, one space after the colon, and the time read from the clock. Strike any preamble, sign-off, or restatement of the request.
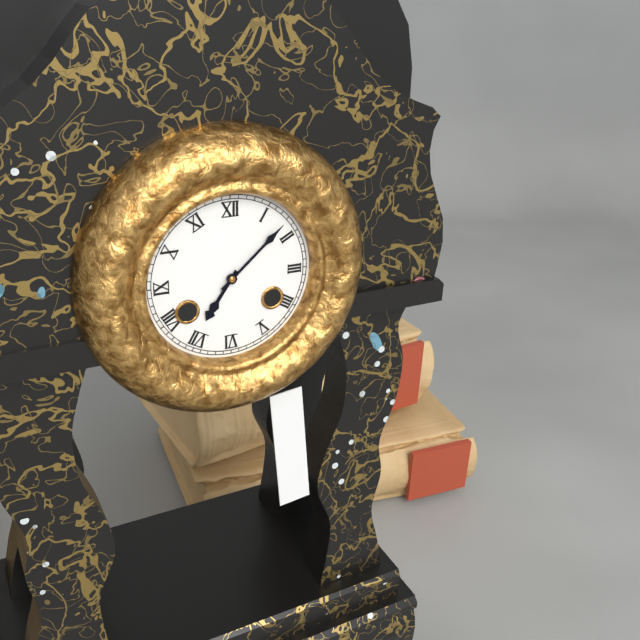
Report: 7:08
